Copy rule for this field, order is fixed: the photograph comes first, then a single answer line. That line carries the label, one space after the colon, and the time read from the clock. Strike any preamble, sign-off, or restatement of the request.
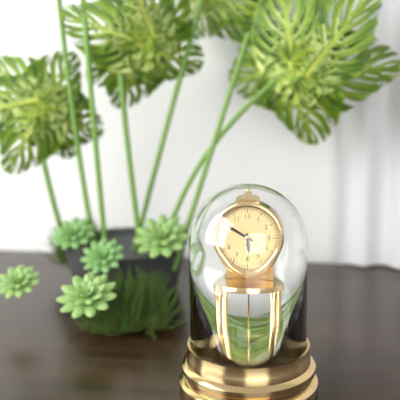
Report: 5:50
